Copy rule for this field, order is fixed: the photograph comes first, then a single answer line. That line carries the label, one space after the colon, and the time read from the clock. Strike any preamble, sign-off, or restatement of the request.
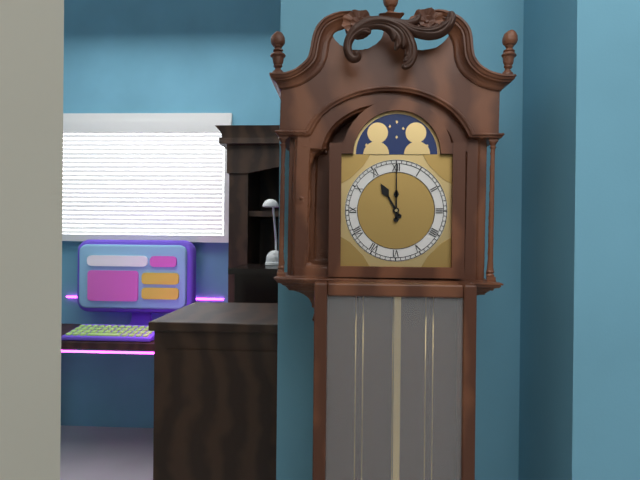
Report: 11:00
